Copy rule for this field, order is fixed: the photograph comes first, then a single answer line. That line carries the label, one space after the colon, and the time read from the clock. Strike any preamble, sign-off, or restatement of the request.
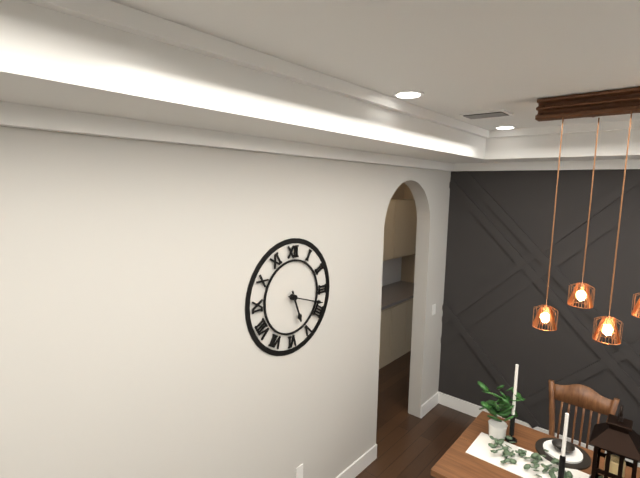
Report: 5:18
